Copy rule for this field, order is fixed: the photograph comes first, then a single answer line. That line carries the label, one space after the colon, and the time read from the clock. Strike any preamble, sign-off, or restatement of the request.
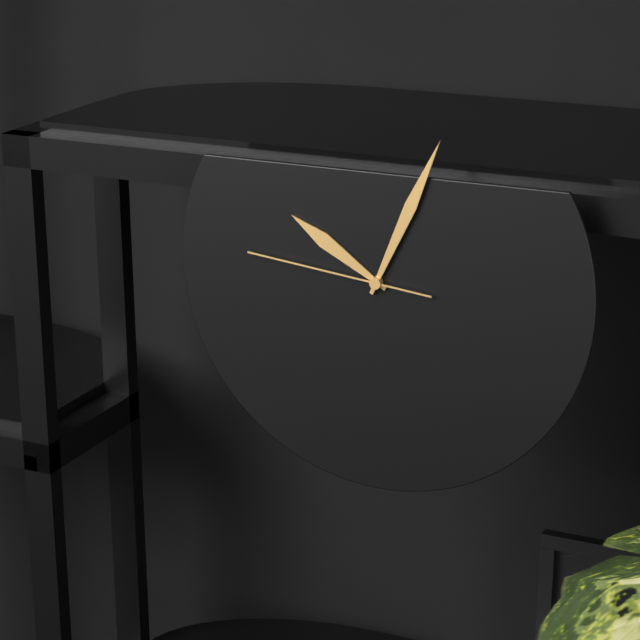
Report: 10:04:46
